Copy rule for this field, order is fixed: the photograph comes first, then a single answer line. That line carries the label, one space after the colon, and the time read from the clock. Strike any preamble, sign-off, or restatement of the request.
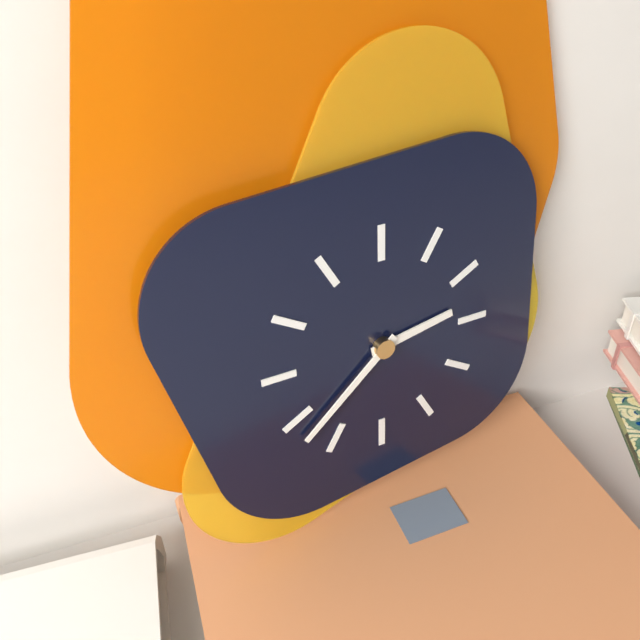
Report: 2:38
